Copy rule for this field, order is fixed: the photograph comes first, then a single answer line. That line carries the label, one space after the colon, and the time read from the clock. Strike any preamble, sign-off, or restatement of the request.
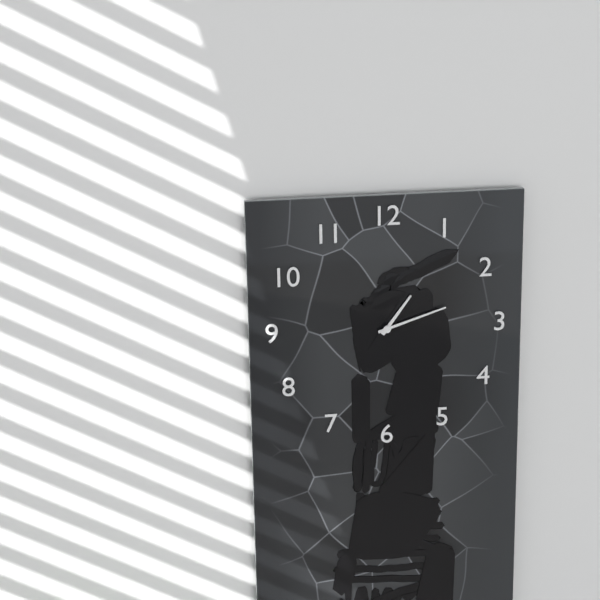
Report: 1:12
